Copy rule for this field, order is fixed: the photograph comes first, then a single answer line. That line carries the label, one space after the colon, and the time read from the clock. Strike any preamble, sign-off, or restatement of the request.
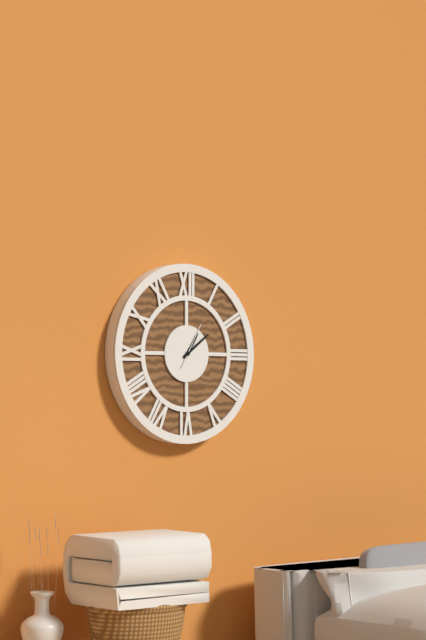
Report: 1:09
